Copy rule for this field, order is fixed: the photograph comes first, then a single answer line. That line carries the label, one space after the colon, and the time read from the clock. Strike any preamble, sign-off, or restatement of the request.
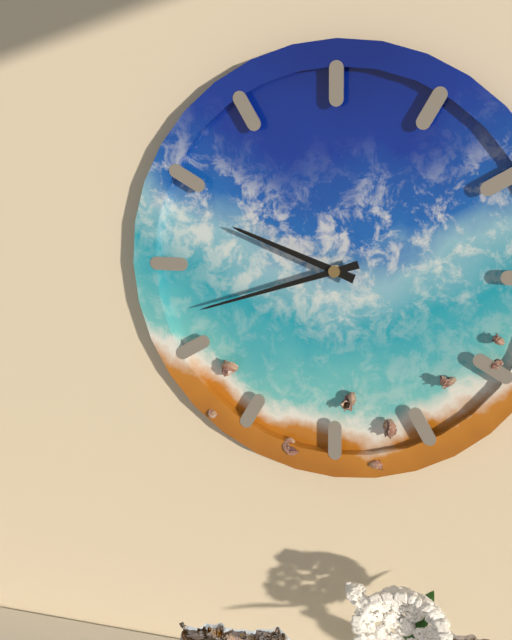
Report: 9:42
